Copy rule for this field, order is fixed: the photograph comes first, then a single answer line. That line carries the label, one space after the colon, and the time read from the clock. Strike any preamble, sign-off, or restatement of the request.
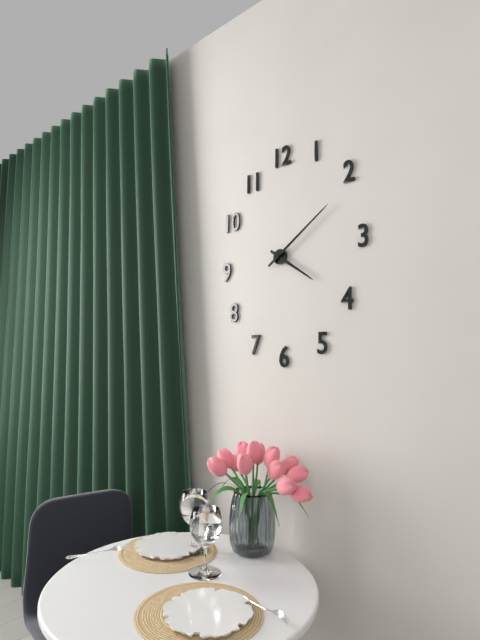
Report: 4:09
